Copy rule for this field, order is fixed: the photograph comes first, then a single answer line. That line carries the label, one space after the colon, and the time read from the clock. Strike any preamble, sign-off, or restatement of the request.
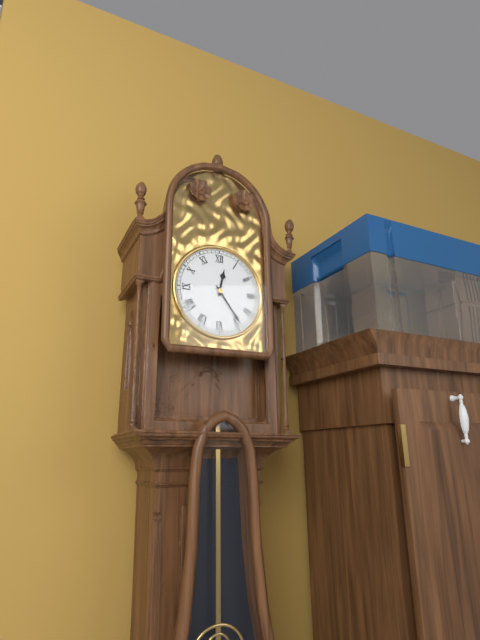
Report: 12:24
